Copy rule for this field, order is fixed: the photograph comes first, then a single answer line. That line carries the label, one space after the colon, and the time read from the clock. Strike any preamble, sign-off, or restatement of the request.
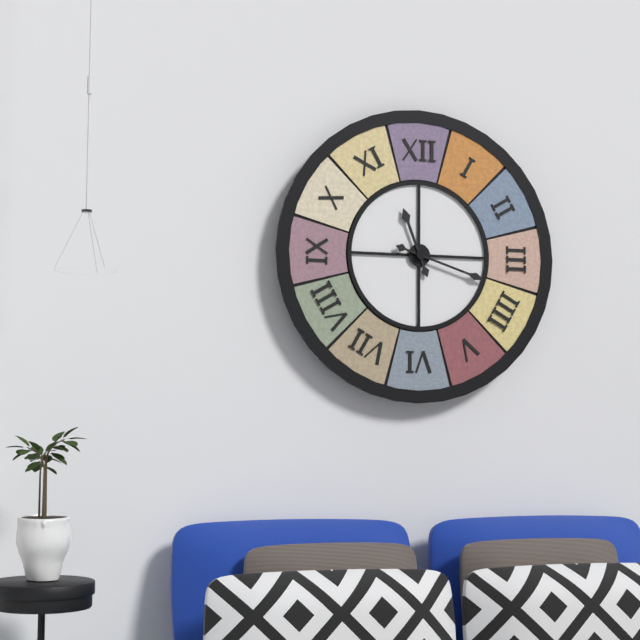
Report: 11:18
